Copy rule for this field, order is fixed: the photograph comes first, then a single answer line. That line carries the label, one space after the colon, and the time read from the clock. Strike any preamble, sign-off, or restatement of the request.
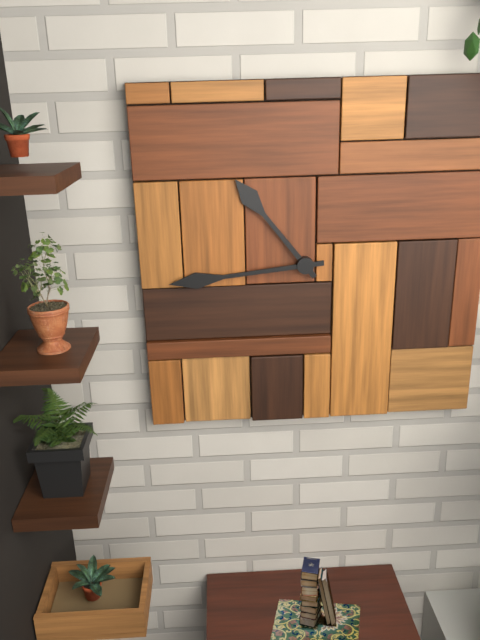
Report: 10:44
